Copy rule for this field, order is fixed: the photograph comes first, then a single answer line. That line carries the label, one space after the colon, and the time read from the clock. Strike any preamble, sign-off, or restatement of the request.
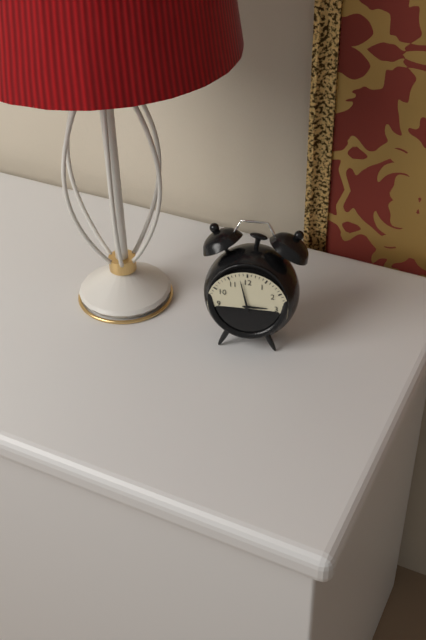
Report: 2:58
